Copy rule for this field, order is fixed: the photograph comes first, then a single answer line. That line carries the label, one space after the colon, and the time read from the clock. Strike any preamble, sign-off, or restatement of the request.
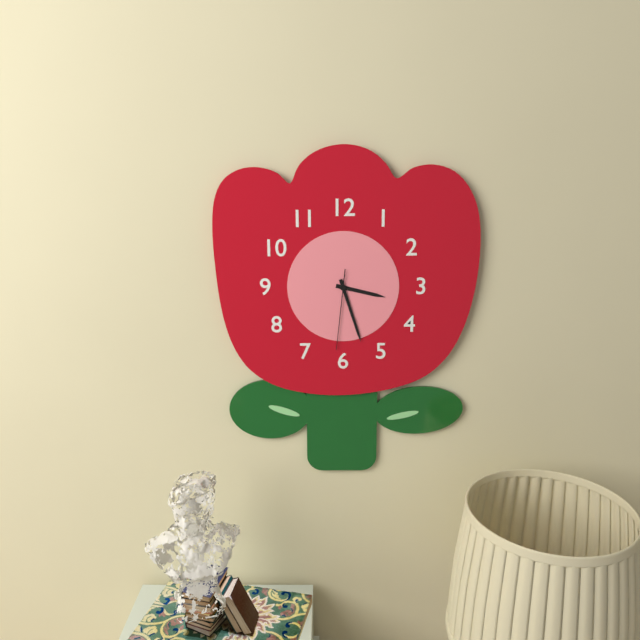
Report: 3:27:31
